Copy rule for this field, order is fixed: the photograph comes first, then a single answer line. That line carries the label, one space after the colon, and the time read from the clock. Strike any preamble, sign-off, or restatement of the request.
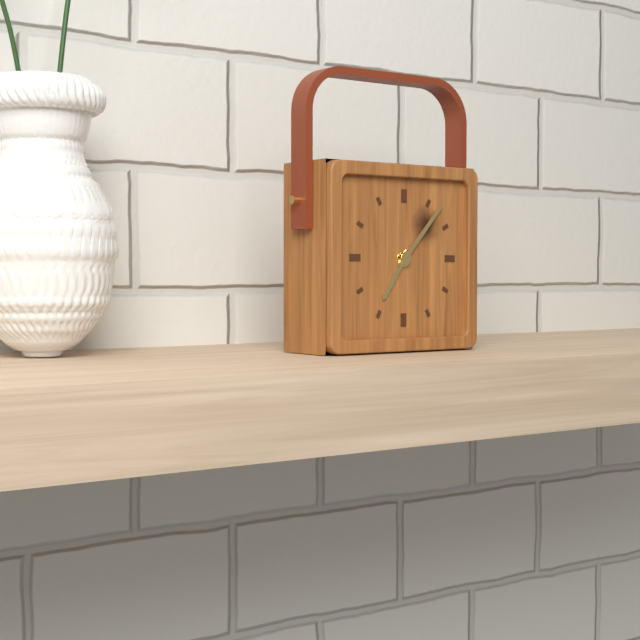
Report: 7:07
